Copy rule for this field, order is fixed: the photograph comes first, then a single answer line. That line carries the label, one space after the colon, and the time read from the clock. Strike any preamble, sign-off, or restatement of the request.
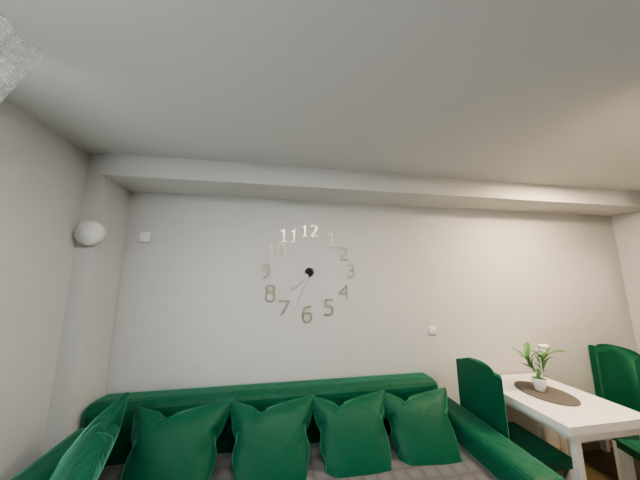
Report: 7:34
